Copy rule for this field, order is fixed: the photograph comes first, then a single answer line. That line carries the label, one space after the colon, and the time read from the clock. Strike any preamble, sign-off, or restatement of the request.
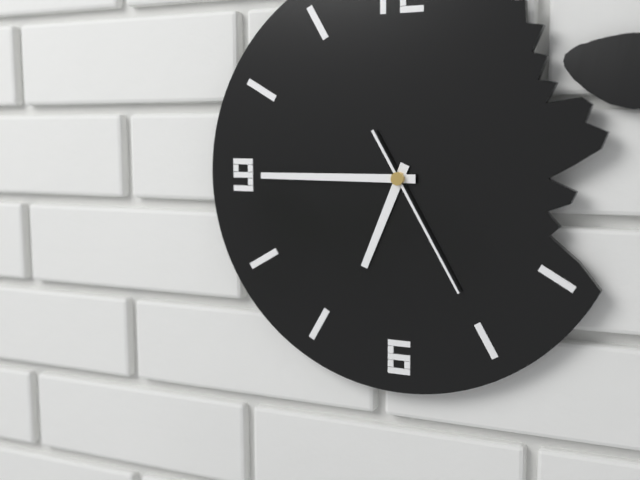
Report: 6:45:25
